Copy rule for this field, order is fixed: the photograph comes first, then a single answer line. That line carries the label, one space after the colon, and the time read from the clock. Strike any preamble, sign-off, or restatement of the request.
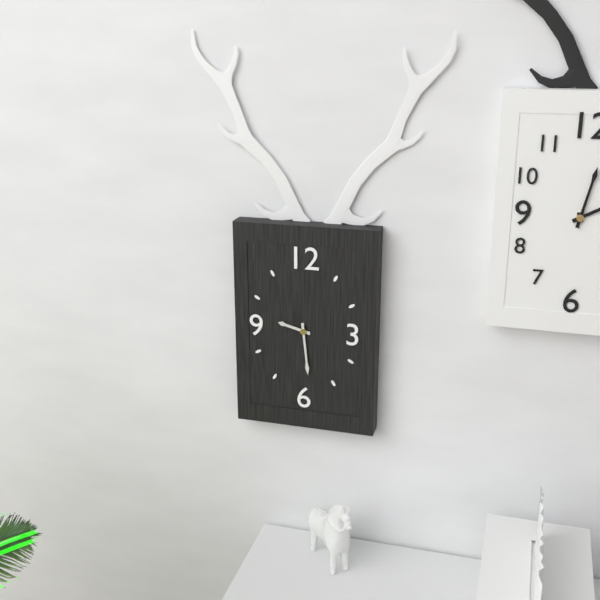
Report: 9:29
